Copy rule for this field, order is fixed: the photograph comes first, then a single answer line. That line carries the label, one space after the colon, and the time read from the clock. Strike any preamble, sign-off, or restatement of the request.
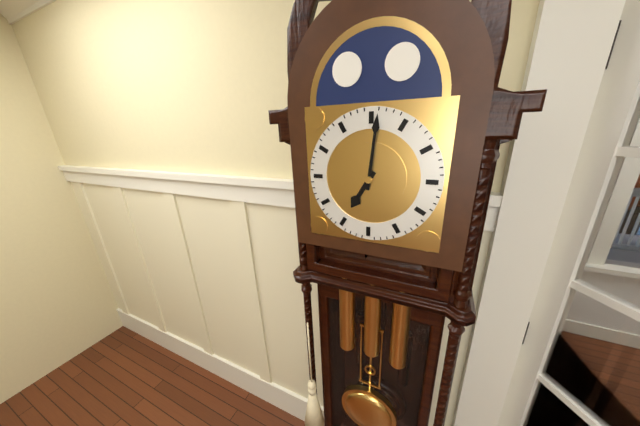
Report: 7:01
